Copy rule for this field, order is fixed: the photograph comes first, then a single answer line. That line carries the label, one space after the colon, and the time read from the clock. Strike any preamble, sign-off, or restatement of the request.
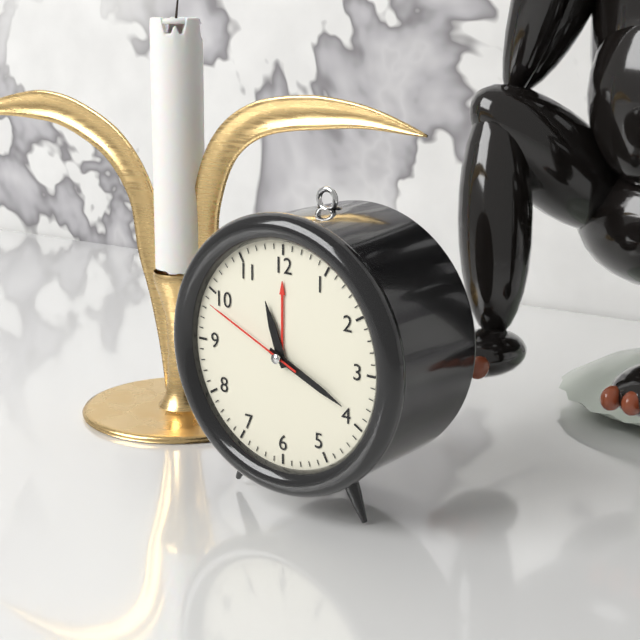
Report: 11:19:49
